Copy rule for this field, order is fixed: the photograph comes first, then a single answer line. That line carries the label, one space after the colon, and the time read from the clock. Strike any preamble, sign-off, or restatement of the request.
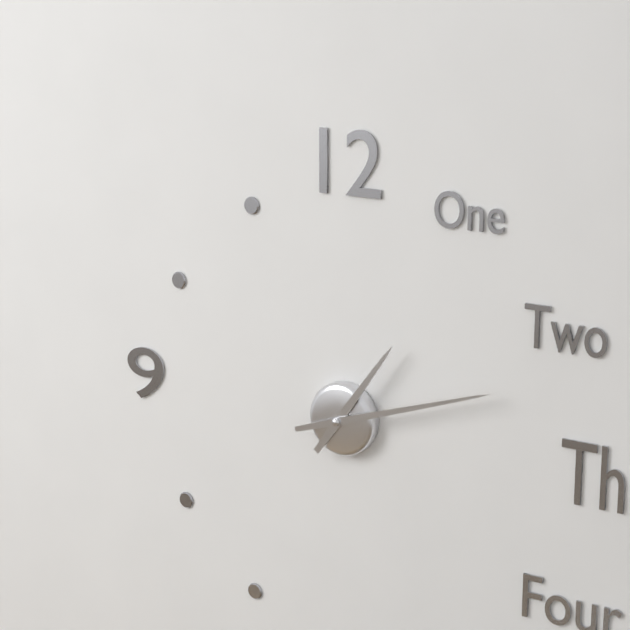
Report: 1:12
